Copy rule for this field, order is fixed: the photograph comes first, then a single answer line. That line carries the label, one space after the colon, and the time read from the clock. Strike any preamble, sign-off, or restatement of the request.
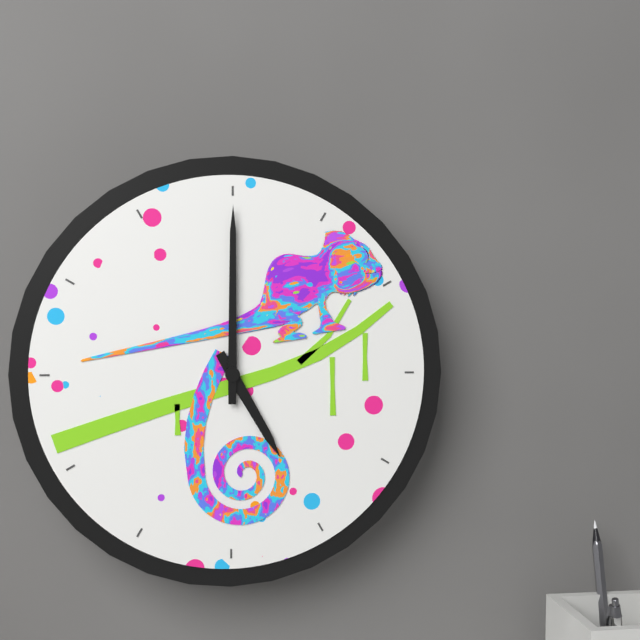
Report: 5:00
